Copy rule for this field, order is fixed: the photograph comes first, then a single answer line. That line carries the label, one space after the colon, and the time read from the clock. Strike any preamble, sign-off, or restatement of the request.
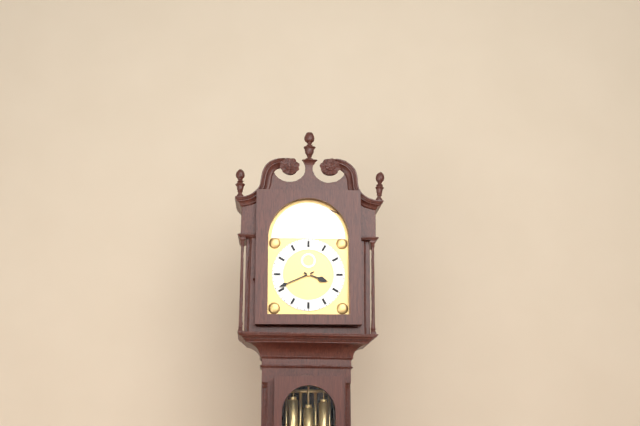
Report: 3:41
